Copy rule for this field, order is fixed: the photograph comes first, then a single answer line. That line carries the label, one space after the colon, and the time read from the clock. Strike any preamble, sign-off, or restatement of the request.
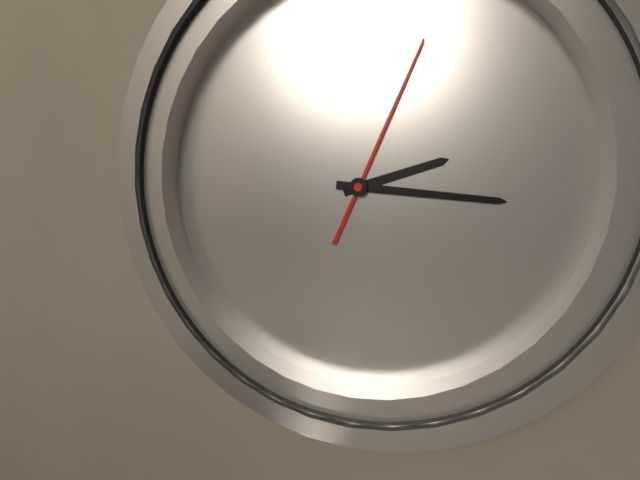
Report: 2:15:03
